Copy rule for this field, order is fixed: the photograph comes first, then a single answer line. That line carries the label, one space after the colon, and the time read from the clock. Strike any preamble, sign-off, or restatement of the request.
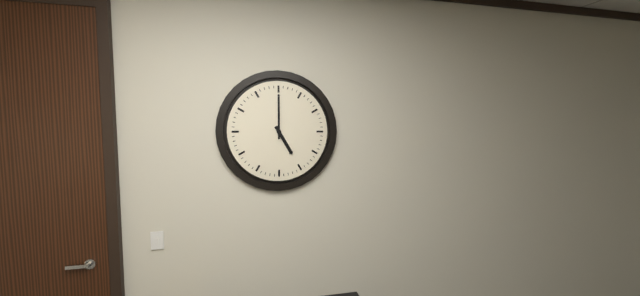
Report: 5:00
